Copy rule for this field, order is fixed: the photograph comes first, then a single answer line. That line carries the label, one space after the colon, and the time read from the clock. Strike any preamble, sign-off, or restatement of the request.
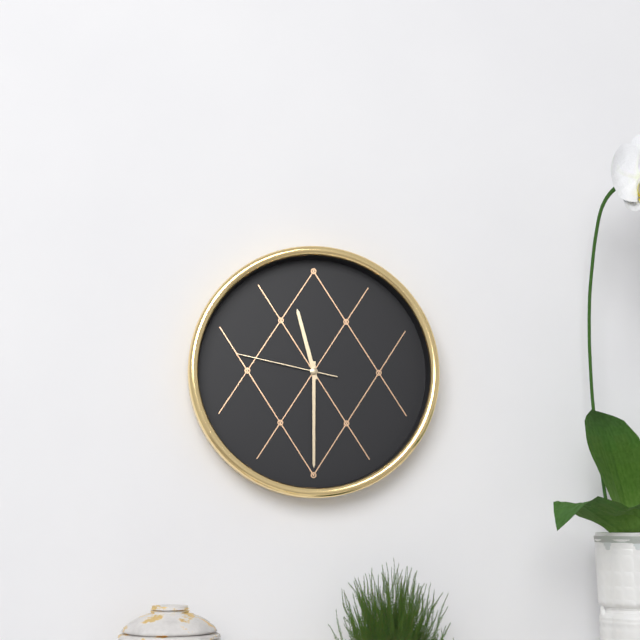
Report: 11:30:47
